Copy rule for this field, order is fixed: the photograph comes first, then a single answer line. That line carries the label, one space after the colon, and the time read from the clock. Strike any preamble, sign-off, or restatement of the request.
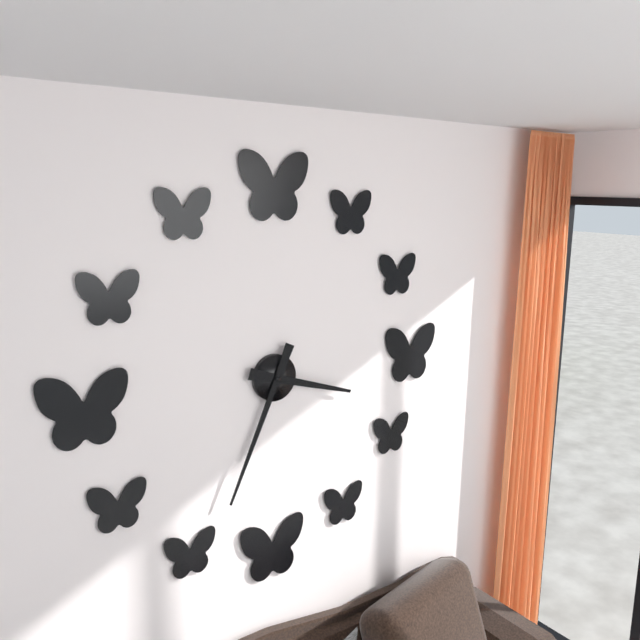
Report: 3:34
